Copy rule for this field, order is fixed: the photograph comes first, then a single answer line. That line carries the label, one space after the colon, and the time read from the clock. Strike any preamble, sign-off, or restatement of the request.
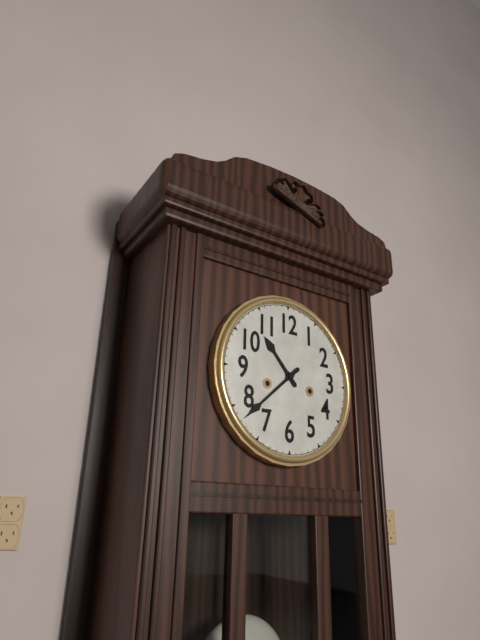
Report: 10:38
